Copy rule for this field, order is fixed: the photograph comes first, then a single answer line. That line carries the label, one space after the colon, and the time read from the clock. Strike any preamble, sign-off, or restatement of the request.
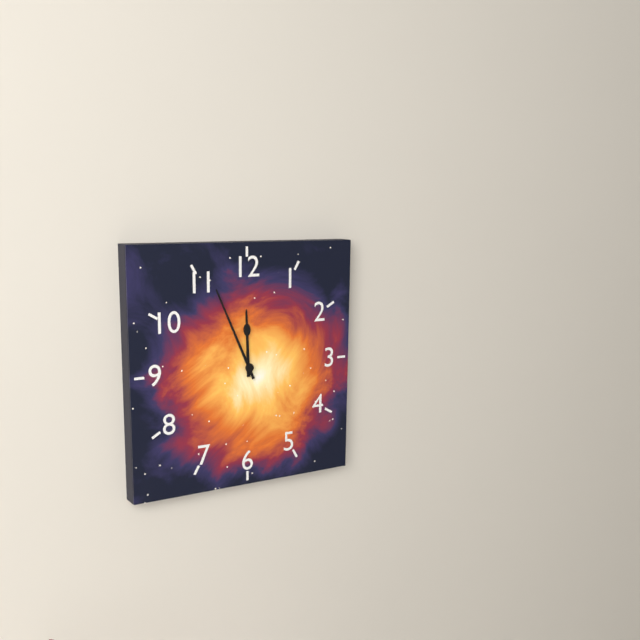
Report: 11:56
